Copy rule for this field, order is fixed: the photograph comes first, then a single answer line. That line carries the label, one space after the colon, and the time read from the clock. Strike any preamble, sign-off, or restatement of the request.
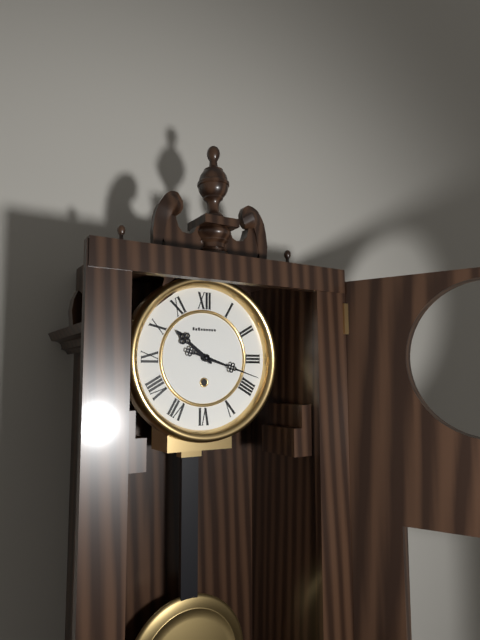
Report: 10:18
